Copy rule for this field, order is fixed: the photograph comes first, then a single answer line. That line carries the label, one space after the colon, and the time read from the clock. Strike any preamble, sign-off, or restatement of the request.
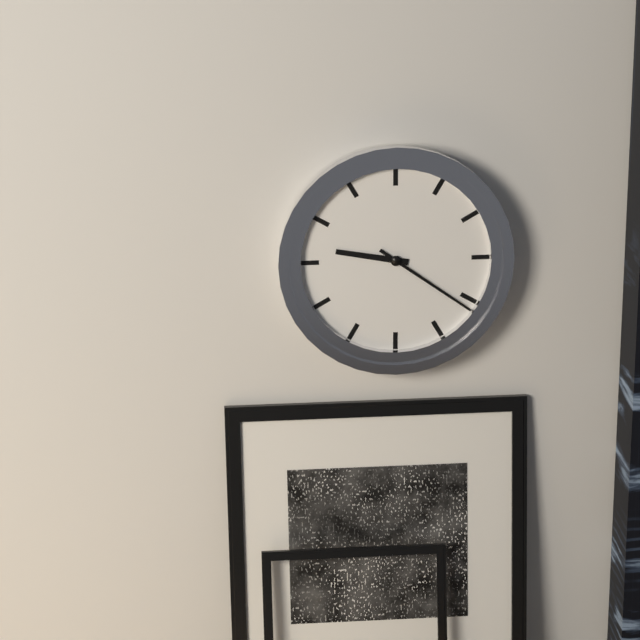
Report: 9:21
